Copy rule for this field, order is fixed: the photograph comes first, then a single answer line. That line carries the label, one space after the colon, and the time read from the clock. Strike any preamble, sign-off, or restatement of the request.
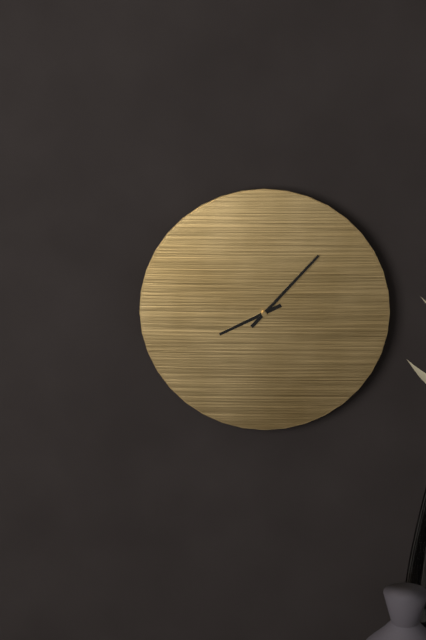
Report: 8:07
